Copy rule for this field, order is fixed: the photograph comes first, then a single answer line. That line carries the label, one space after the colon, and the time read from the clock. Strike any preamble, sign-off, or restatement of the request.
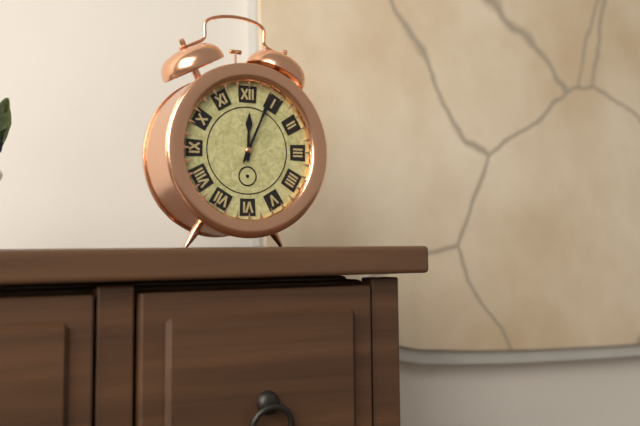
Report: 12:04
